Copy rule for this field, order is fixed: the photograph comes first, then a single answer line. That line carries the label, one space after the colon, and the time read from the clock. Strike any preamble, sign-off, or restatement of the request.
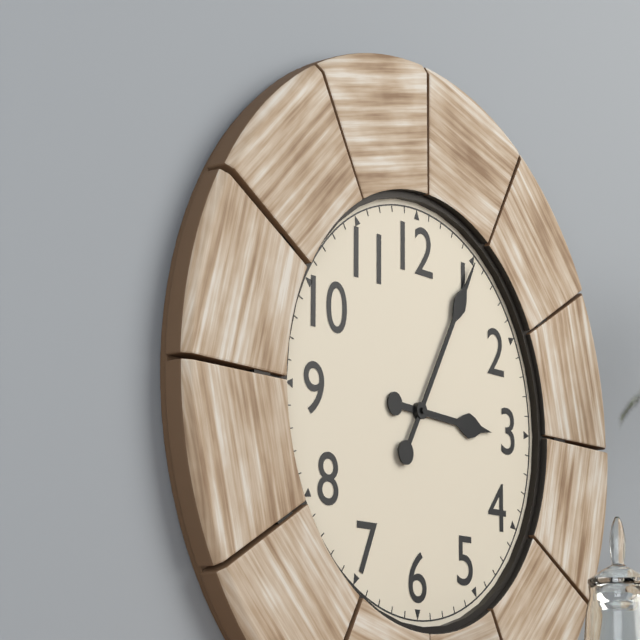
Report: 3:05
